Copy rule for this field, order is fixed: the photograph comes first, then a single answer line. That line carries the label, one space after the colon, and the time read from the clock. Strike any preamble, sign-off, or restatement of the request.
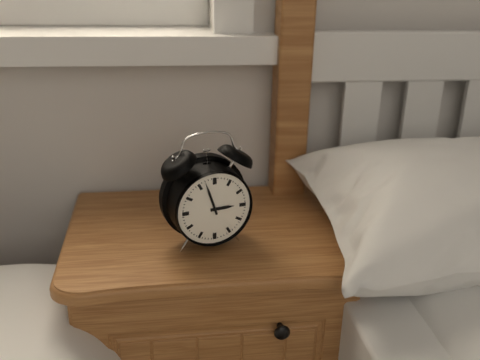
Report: 2:57
